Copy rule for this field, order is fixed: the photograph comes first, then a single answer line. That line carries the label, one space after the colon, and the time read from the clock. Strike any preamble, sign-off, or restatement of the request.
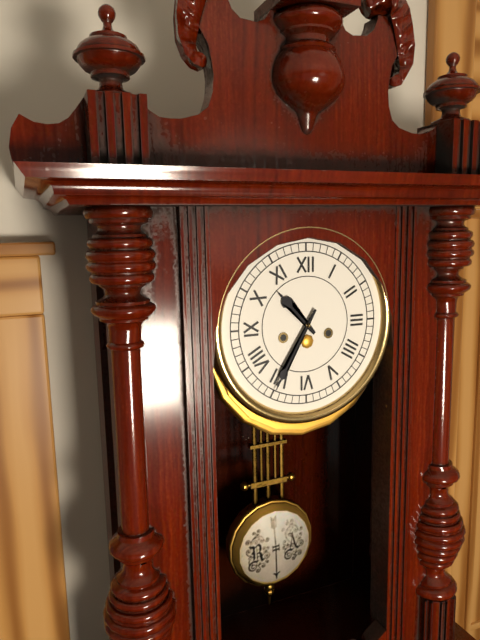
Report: 10:35
